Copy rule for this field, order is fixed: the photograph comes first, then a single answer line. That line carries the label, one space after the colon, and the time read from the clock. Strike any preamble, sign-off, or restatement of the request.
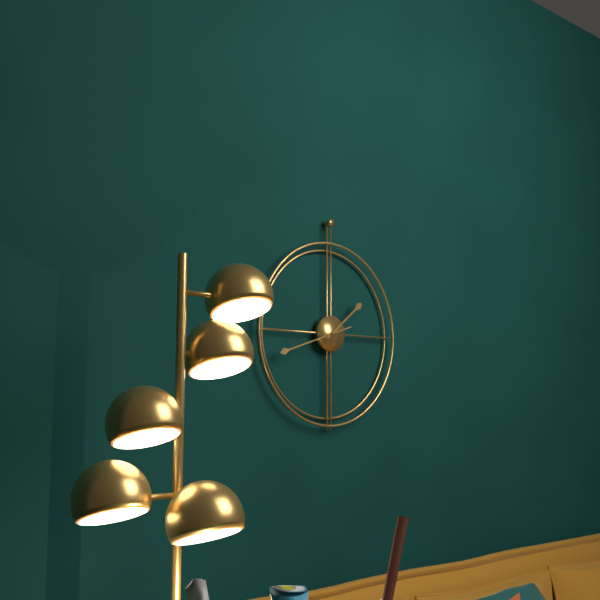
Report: 1:42
